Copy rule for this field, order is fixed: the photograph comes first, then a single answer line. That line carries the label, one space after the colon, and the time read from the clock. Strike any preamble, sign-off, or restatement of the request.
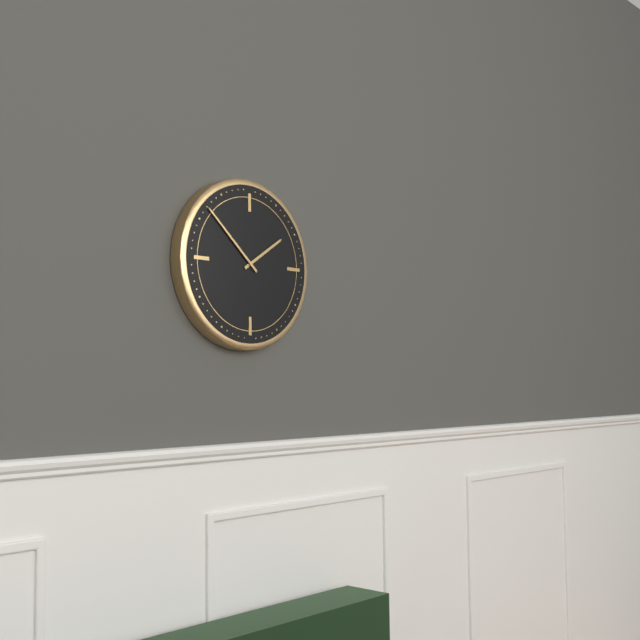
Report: 1:52
